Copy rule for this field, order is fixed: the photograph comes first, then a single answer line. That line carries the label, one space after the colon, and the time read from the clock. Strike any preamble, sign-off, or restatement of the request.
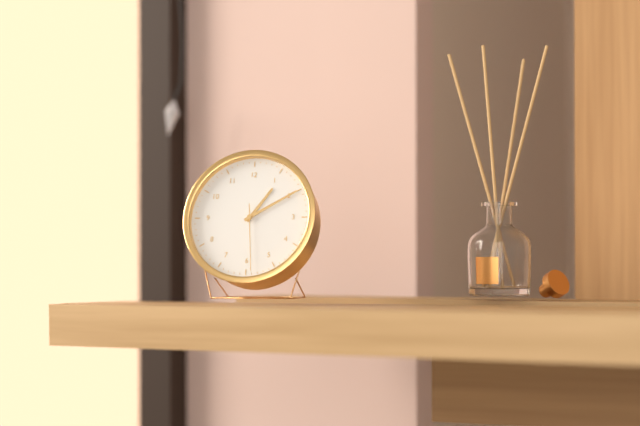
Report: 1:10:29
